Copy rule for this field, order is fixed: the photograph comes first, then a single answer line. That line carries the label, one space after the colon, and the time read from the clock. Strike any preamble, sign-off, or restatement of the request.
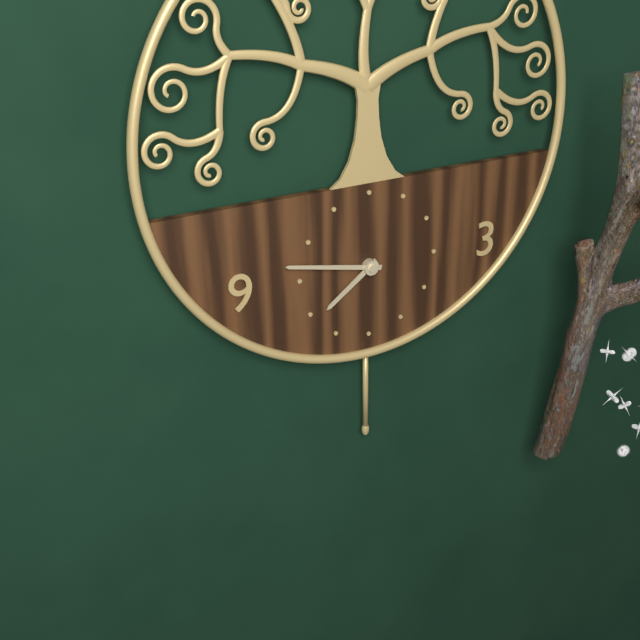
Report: 7:47
